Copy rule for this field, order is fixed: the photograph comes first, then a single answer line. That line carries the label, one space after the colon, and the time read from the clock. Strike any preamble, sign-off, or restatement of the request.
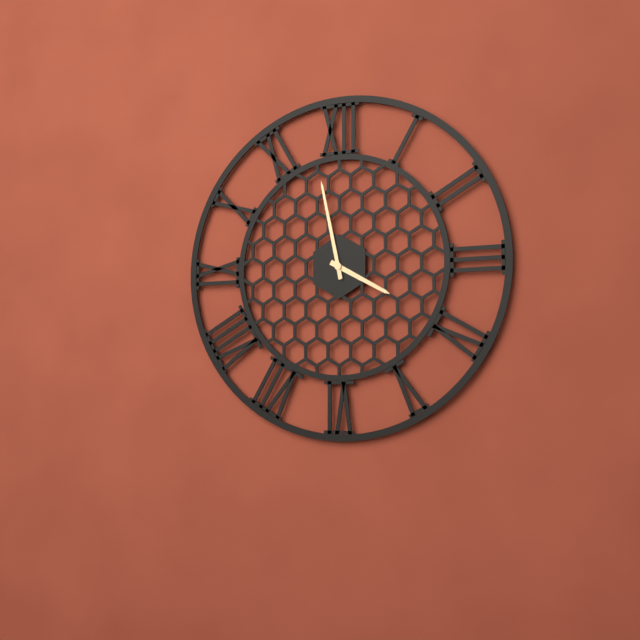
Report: 3:58
